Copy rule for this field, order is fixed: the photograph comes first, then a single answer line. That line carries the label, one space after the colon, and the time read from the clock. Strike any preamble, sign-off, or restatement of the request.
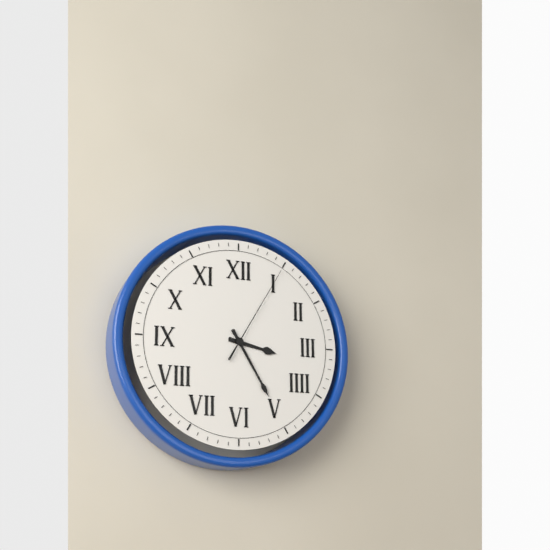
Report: 3:25:05
